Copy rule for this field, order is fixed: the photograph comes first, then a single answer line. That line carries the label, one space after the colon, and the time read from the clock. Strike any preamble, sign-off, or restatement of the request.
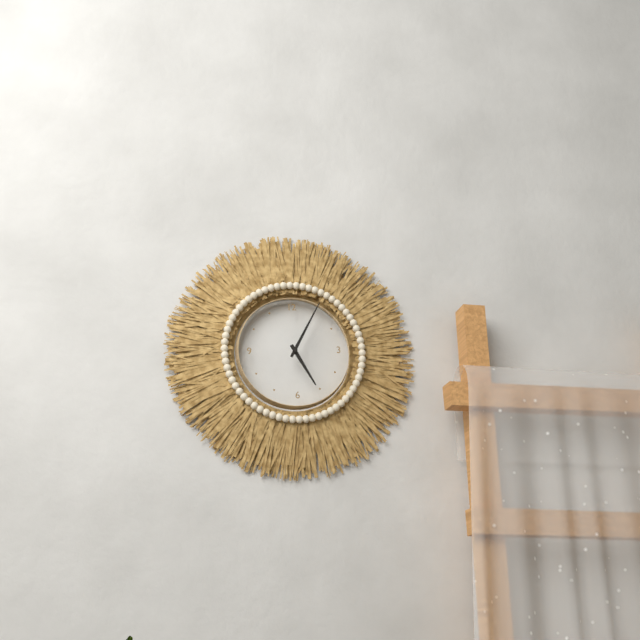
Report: 5:05
